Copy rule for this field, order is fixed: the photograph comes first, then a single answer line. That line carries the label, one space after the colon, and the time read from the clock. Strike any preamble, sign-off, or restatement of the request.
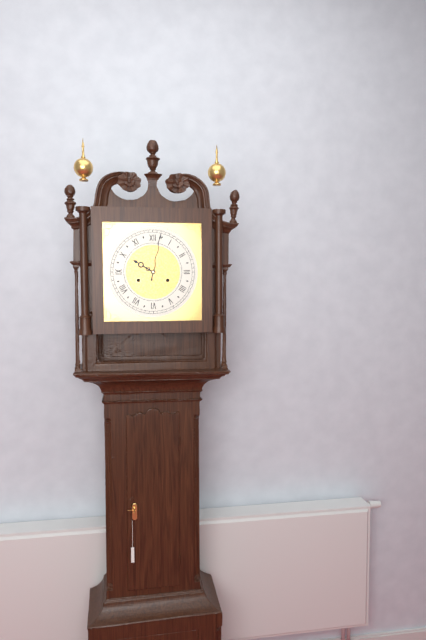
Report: 10:02
